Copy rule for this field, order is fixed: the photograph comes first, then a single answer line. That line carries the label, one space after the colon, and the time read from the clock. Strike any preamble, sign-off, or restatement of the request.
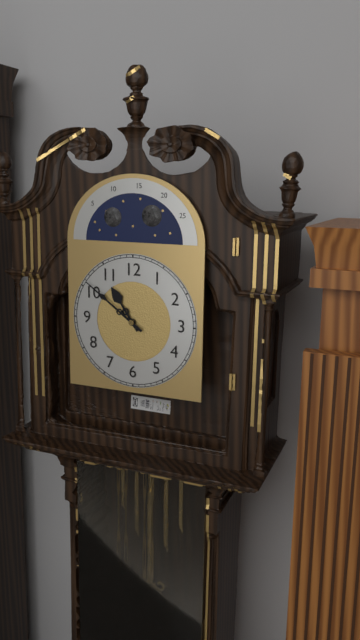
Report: 10:51
